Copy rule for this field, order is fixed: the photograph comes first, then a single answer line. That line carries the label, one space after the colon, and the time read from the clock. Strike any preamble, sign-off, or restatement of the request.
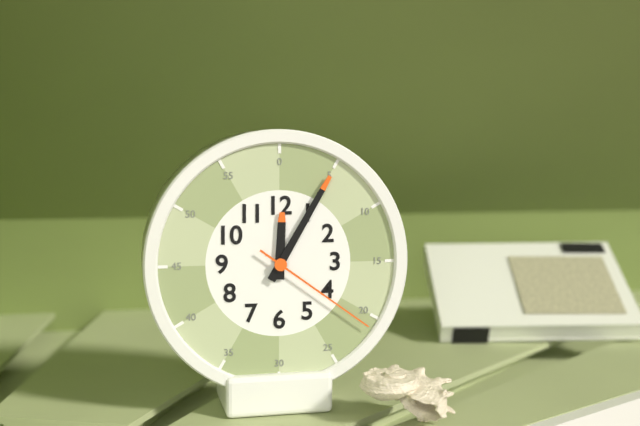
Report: 12:05:21
